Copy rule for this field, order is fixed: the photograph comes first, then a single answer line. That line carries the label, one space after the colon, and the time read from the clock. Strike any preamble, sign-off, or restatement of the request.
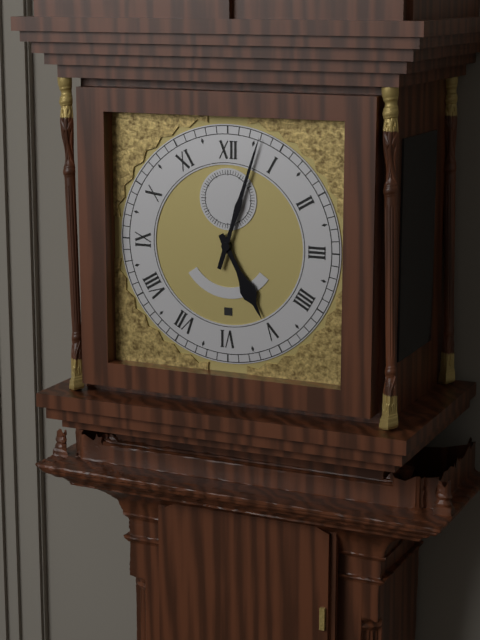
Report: 5:03
